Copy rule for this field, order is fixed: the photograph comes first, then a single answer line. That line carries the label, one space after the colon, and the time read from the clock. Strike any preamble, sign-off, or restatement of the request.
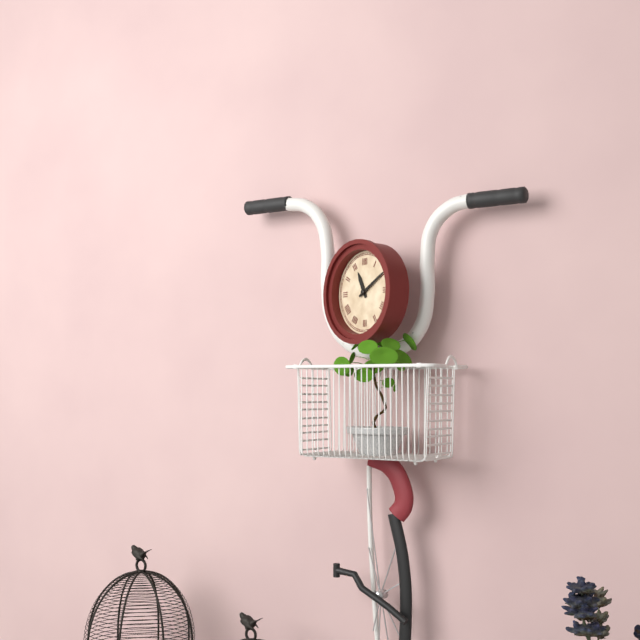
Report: 11:10
